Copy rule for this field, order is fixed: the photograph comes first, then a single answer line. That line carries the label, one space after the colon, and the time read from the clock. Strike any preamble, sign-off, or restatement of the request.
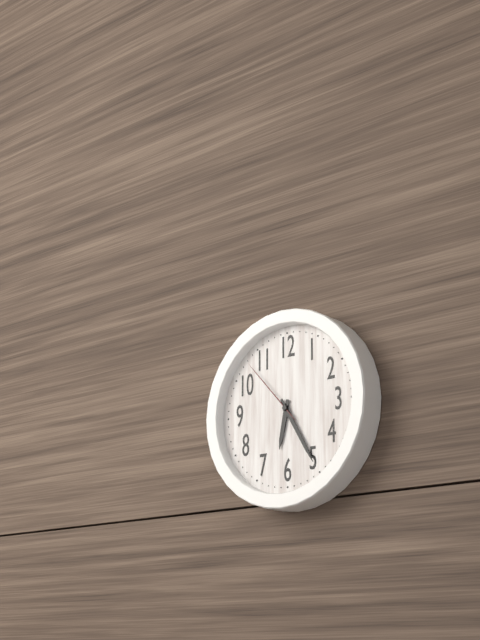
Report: 6:25:53
